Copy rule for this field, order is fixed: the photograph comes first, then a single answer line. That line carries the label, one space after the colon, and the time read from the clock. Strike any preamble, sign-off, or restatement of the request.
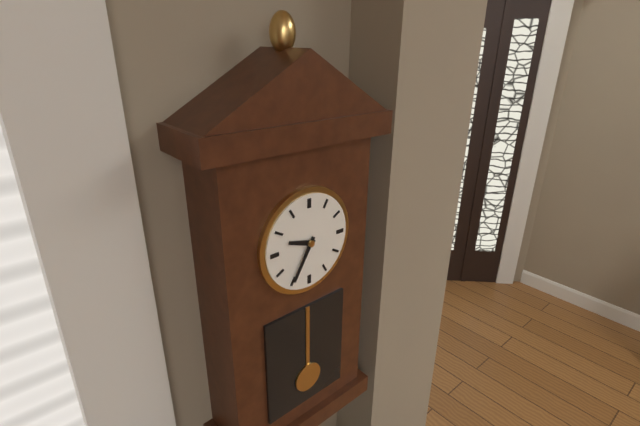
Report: 9:35
